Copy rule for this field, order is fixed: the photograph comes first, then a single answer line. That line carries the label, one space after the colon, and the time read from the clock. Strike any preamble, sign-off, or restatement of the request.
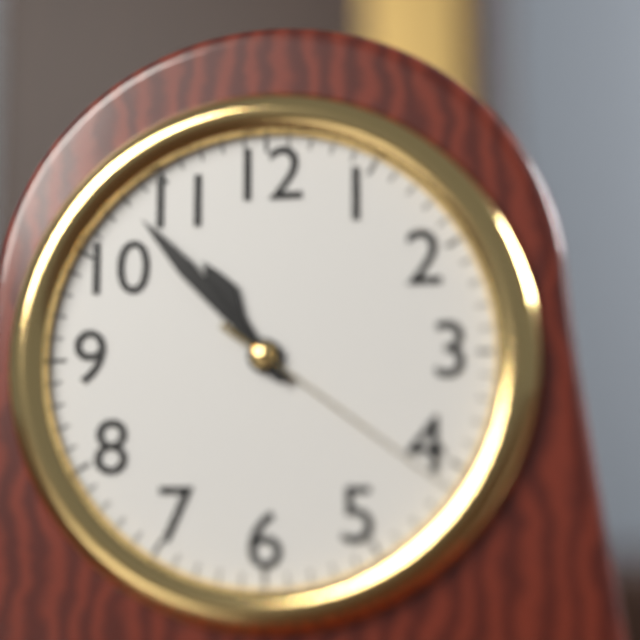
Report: 10:53:21
